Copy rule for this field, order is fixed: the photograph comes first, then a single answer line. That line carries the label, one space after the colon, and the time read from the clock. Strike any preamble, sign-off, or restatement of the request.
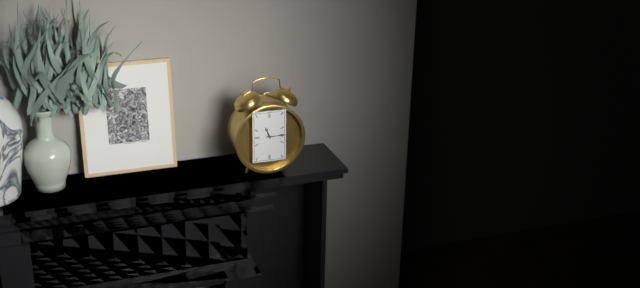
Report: 11:15
